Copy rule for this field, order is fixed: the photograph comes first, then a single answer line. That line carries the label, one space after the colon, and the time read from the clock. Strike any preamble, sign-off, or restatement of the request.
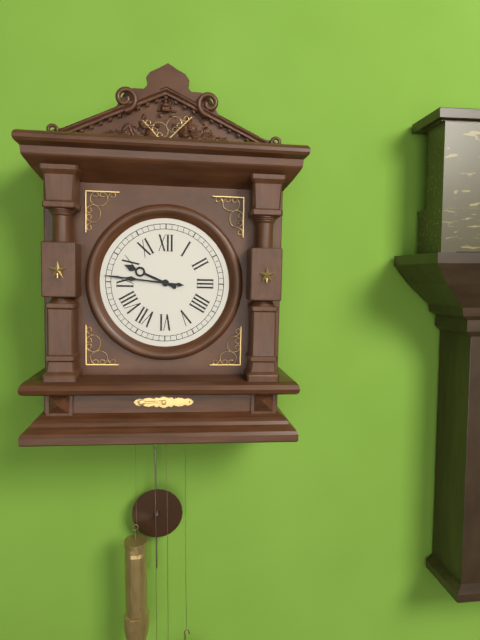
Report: 9:46
